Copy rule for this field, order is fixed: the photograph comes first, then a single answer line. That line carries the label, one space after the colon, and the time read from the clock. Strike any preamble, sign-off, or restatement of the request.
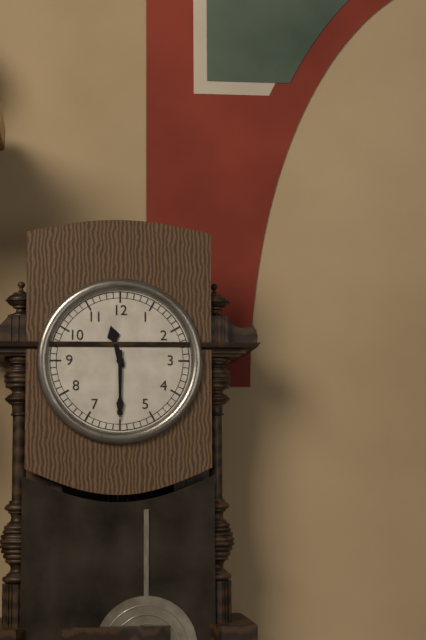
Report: 11:30
